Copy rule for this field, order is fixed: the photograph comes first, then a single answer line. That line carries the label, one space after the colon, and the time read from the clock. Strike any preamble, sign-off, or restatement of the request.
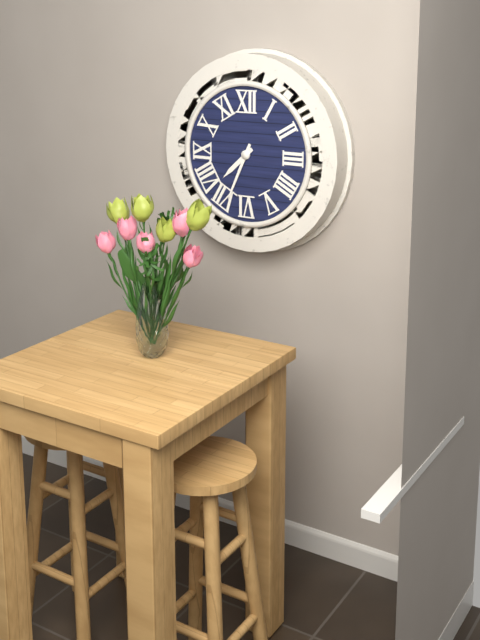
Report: 7:34
